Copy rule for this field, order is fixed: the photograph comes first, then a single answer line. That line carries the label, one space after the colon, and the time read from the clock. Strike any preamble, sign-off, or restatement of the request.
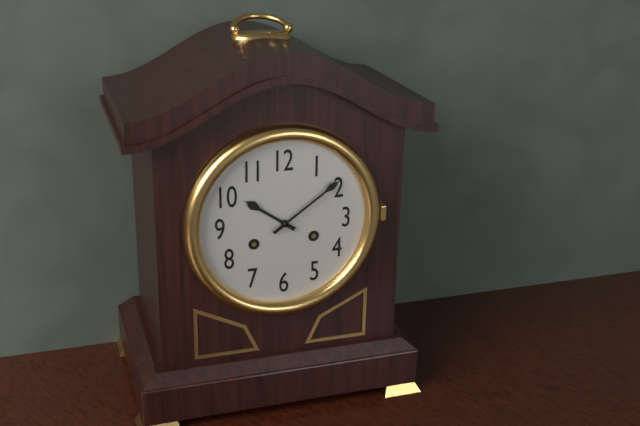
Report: 10:09
